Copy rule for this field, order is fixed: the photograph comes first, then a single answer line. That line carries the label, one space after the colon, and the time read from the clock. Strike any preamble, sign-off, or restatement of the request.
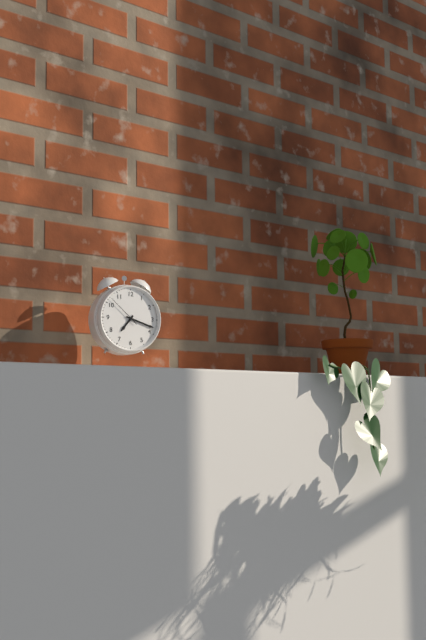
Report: 7:18
